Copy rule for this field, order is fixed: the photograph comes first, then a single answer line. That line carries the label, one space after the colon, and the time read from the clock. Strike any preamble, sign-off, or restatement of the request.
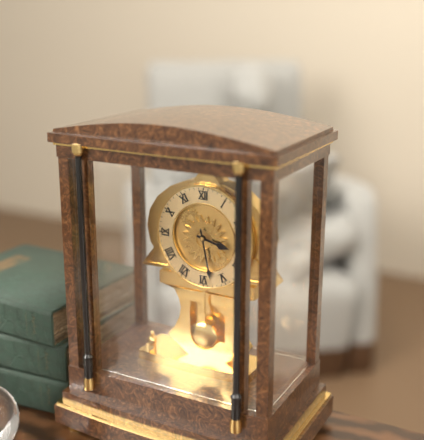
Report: 3:28
